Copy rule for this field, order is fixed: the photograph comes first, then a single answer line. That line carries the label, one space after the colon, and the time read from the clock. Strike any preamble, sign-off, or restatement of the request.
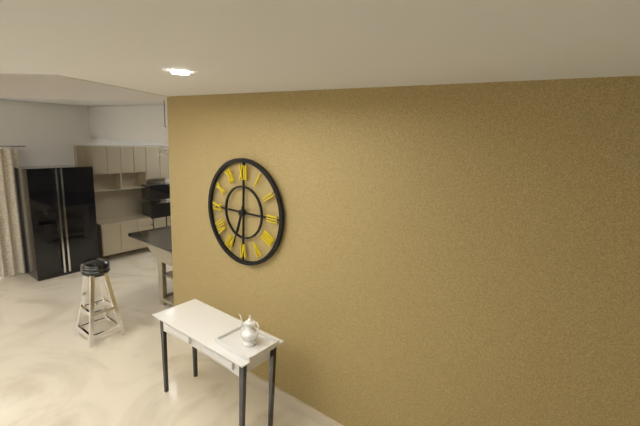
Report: 6:33
